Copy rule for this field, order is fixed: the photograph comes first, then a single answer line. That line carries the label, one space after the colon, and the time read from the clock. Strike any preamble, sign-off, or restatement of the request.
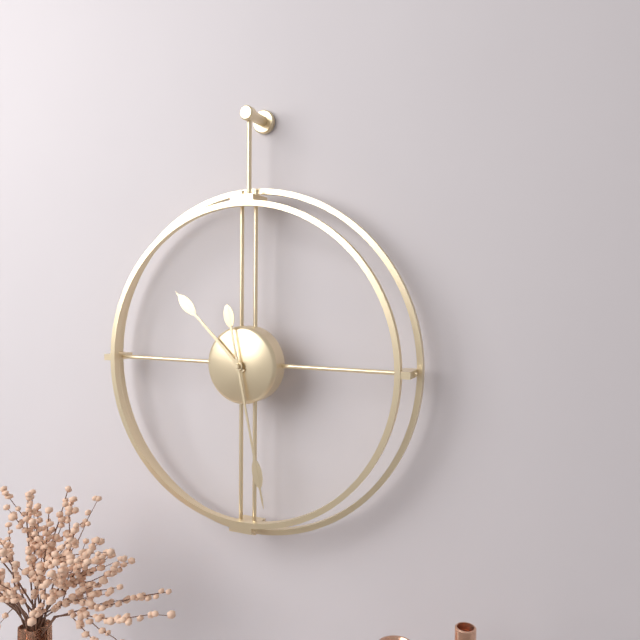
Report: 10:28
